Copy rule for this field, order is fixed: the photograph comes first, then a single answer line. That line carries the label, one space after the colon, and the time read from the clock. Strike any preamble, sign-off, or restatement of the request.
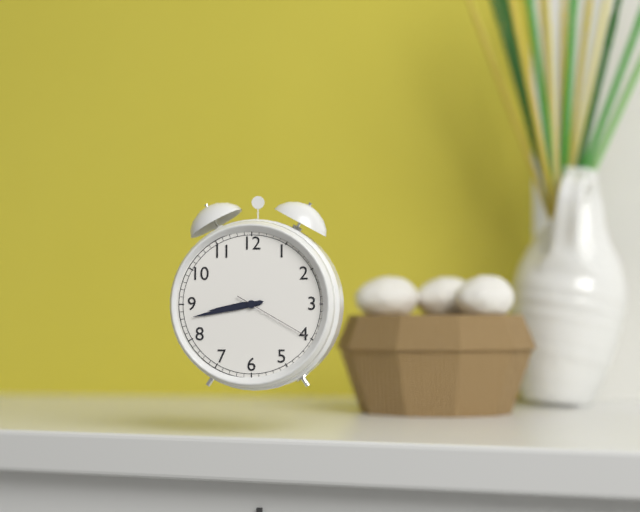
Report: 8:43:20
